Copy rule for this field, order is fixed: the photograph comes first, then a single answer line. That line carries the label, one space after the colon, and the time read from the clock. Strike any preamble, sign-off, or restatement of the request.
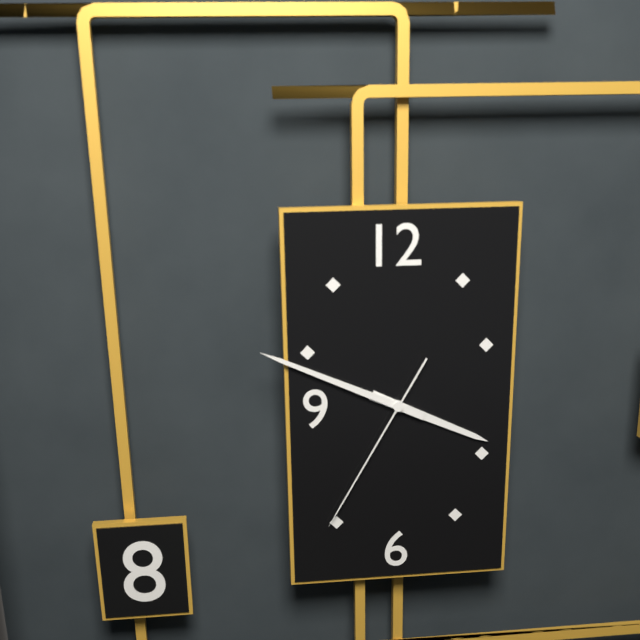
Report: 3:49:35
